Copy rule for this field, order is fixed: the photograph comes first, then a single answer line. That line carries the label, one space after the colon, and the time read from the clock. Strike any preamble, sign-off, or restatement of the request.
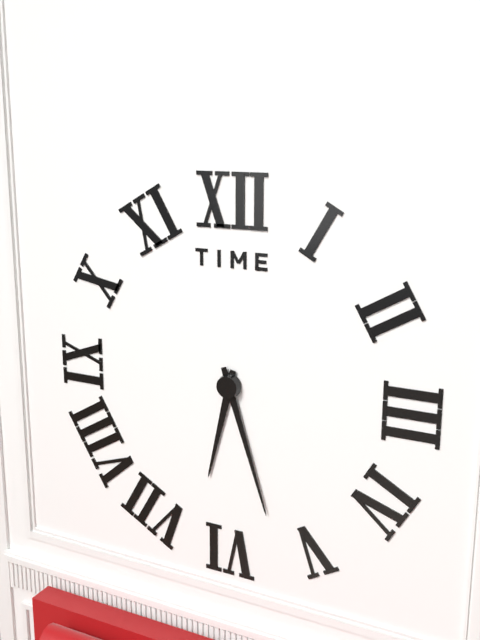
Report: 6:27
